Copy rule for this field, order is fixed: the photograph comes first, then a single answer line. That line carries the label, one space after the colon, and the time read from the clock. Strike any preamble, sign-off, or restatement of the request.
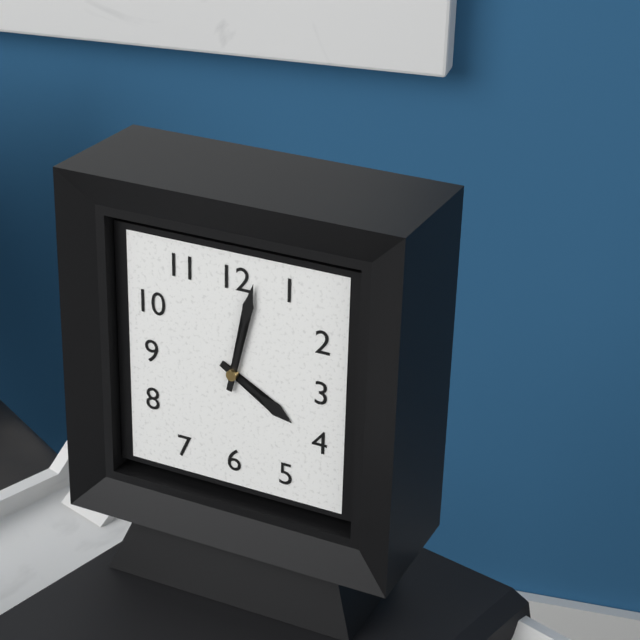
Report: 4:02
